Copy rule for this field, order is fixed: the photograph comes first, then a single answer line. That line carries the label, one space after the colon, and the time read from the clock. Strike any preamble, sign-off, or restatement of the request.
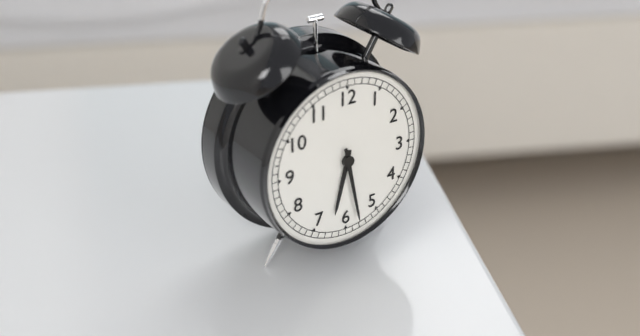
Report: 6:28
